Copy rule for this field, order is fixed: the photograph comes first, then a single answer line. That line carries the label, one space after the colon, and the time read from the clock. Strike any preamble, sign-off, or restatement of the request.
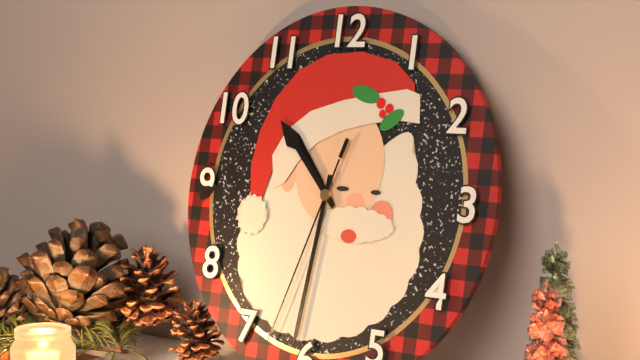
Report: 10:31:33
